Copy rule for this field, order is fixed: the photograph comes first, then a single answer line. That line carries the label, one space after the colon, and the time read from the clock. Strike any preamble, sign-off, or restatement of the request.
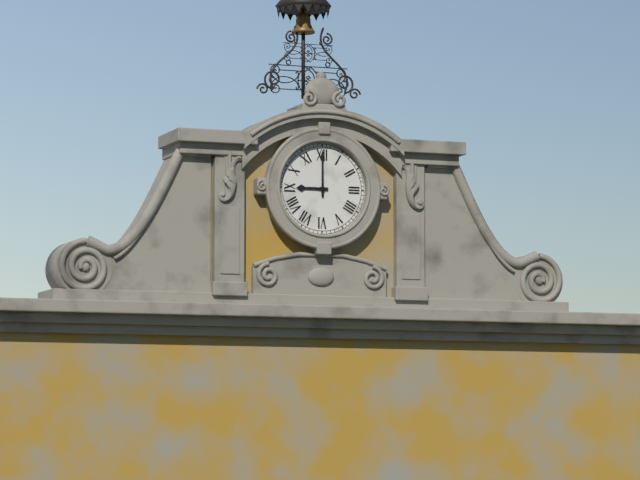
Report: 9:00
